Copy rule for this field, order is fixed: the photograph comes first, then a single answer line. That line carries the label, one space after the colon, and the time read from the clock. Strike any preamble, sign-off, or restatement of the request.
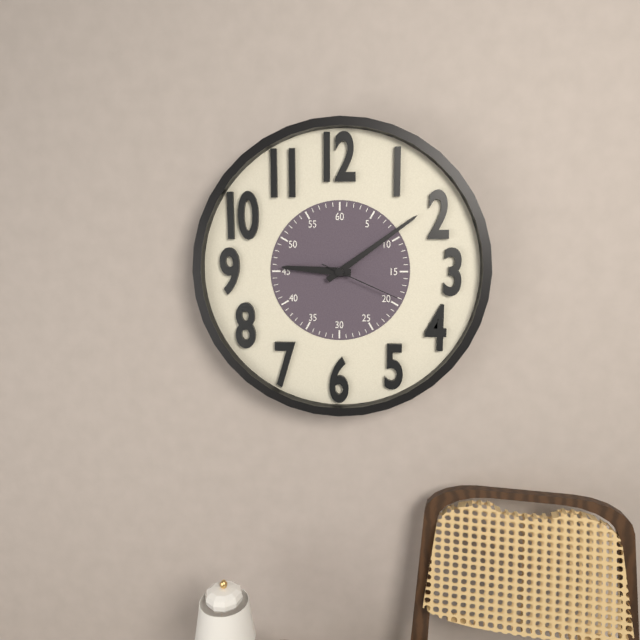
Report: 9:09:19
